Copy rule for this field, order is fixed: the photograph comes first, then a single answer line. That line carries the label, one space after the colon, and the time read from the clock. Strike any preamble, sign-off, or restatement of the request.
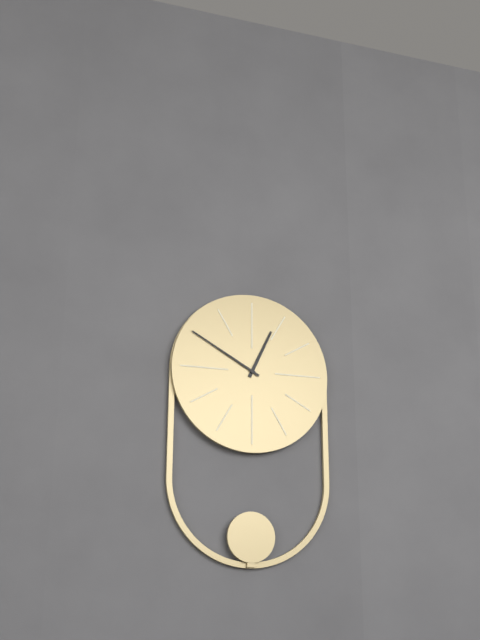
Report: 12:50
